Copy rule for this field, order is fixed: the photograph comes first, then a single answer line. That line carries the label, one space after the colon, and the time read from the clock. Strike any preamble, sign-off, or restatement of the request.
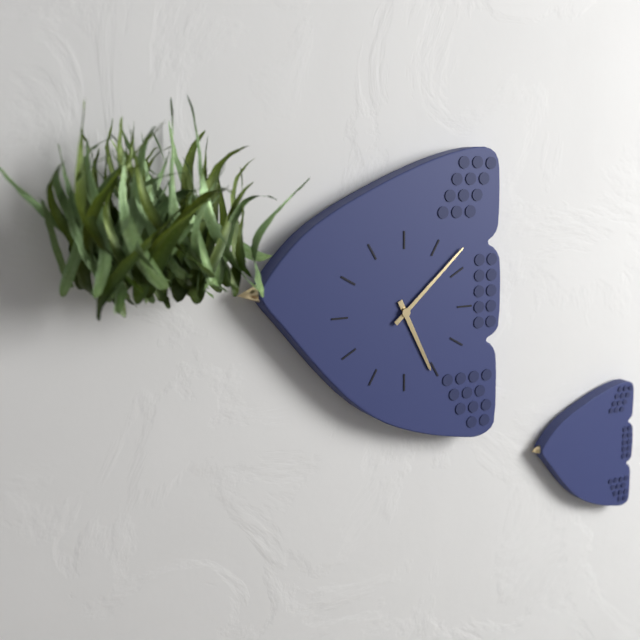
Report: 5:08
